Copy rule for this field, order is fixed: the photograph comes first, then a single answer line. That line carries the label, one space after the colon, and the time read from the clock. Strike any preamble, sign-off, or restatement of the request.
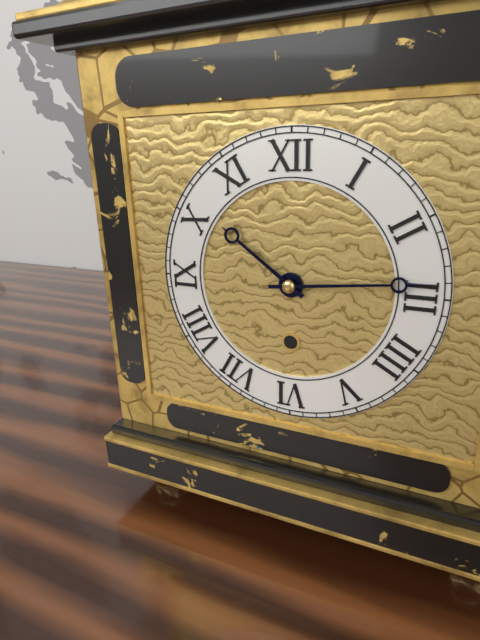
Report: 10:14
